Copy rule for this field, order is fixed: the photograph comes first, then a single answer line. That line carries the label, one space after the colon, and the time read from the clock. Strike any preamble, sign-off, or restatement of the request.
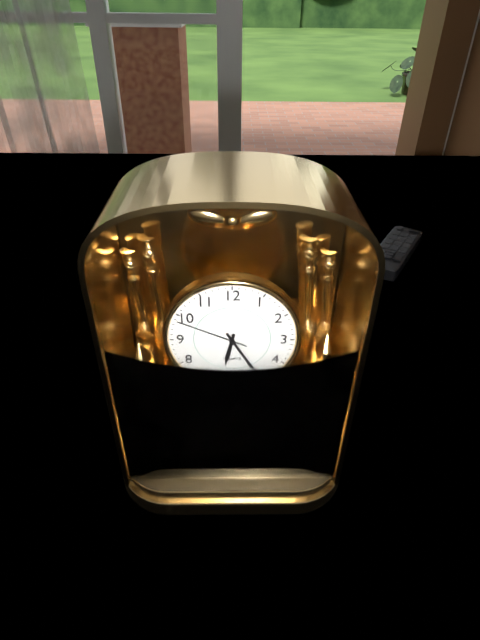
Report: 6:25:49
